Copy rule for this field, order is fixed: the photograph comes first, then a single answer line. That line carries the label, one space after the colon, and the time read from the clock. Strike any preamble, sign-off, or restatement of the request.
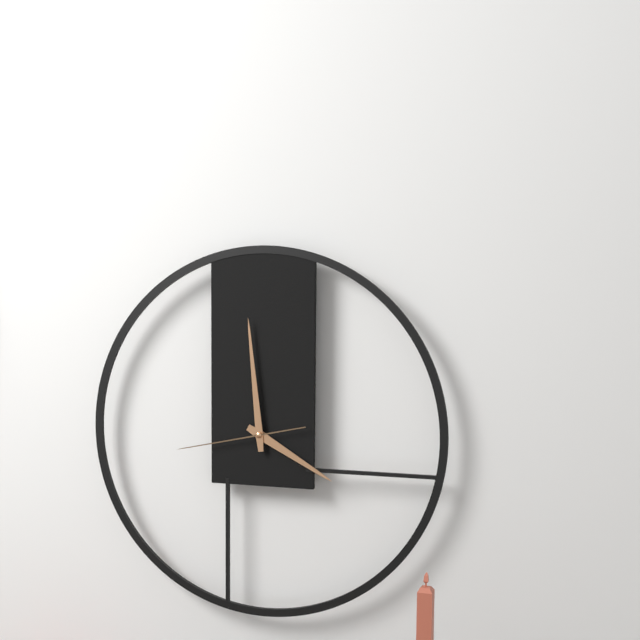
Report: 3:59:43
